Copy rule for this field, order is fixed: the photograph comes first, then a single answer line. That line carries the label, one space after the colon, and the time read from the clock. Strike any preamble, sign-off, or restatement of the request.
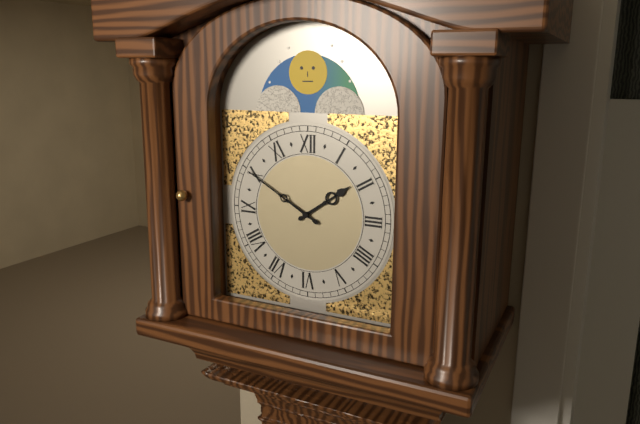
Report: 1:50
